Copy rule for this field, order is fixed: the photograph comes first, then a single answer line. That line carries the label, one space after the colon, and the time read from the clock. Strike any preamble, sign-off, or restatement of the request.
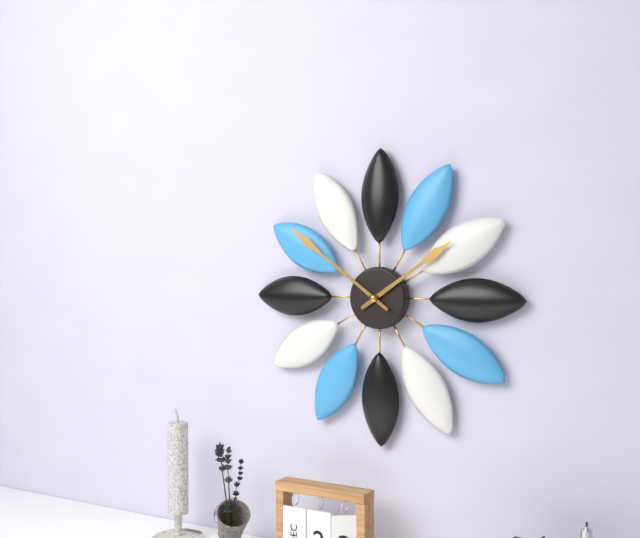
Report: 1:51
